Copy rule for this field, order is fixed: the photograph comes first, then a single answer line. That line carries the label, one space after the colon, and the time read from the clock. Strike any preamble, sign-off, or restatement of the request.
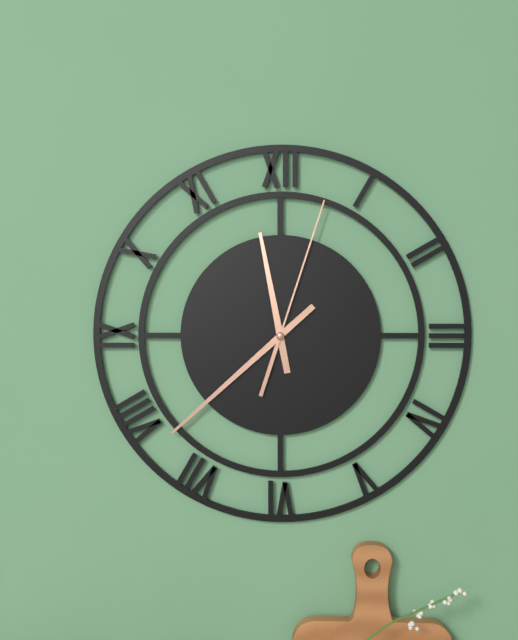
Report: 11:38:03
